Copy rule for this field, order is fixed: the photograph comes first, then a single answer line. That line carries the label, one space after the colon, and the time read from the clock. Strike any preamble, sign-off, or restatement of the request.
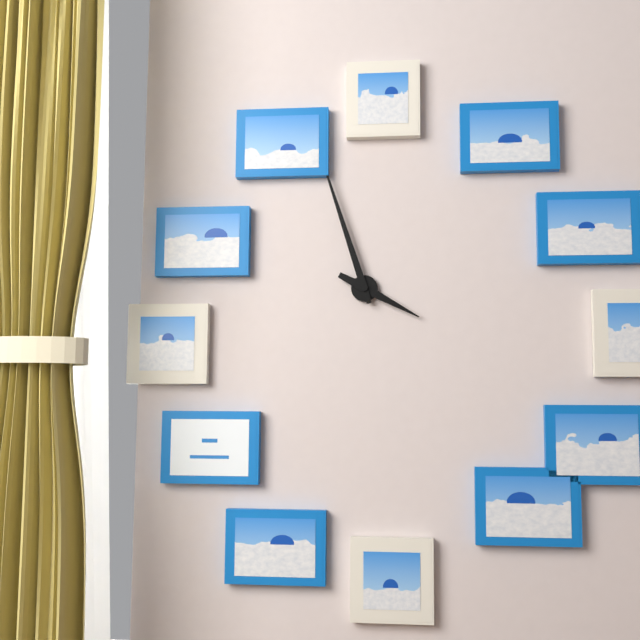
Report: 3:57
